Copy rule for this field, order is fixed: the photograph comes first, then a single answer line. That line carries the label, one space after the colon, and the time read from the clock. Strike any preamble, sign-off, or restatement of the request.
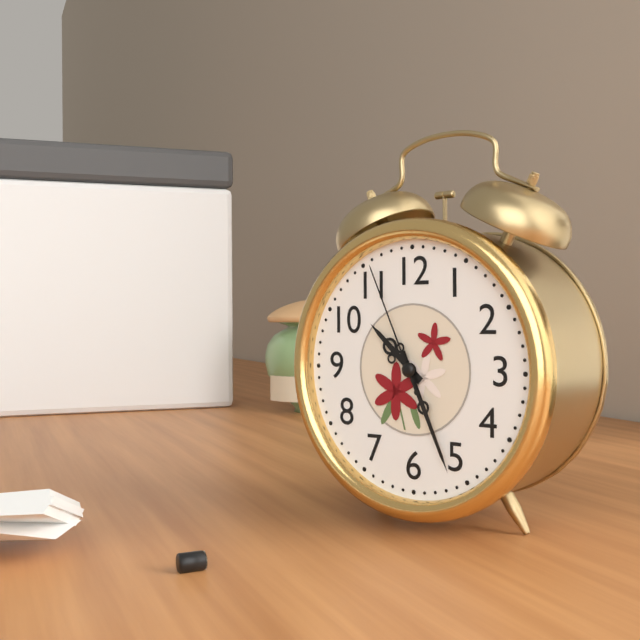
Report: 10:26:56
